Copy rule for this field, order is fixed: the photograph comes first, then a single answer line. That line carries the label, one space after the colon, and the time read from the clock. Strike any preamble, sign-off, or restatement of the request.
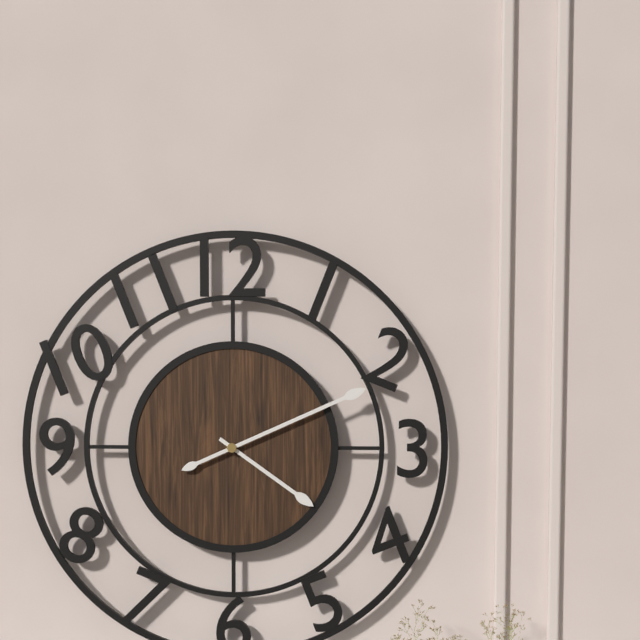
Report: 4:11
